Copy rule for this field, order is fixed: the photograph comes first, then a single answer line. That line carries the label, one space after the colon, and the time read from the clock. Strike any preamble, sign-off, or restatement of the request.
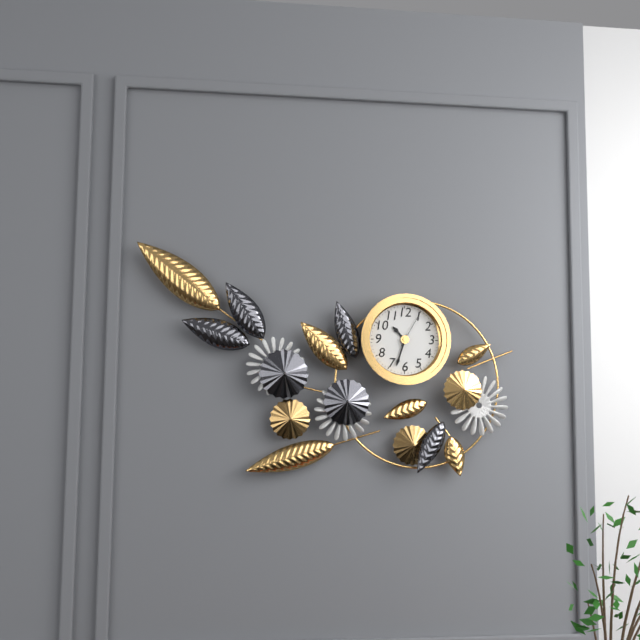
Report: 10:33
